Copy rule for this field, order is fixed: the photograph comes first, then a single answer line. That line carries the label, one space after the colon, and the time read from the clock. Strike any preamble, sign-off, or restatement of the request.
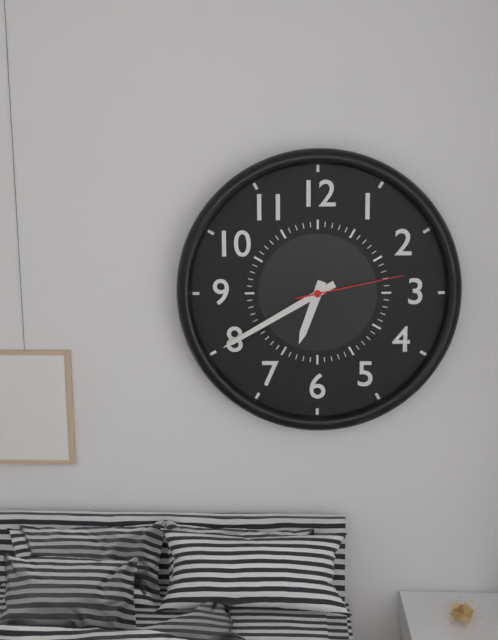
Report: 6:40:13
